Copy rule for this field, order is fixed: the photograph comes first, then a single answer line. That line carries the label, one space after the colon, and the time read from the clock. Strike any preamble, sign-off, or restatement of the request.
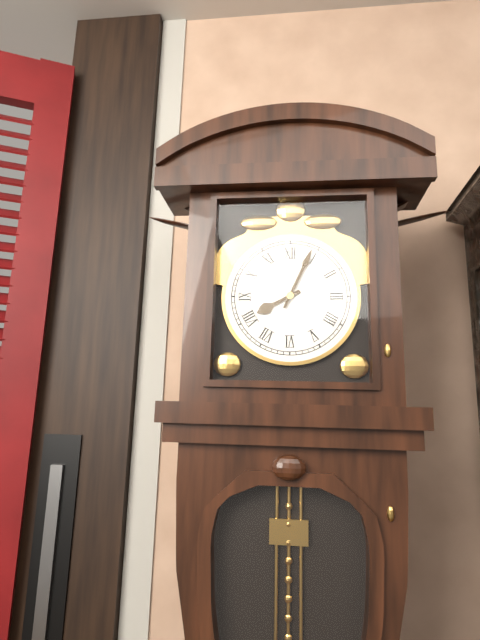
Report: 8:04
